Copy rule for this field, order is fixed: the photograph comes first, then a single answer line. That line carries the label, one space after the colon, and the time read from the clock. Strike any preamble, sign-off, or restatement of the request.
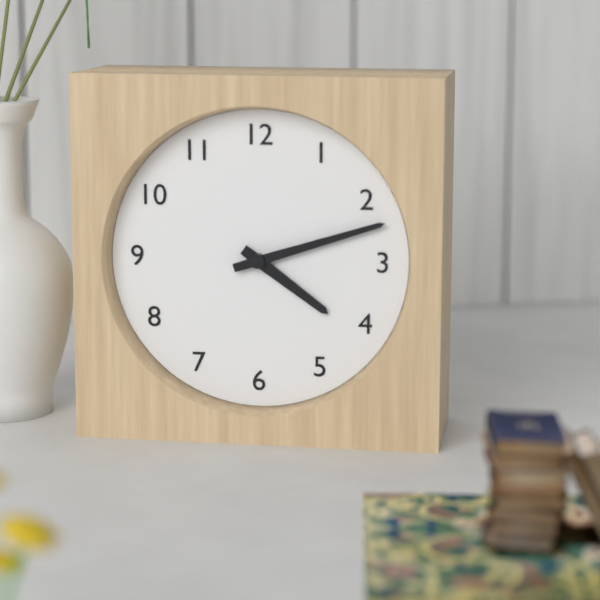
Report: 4:12
